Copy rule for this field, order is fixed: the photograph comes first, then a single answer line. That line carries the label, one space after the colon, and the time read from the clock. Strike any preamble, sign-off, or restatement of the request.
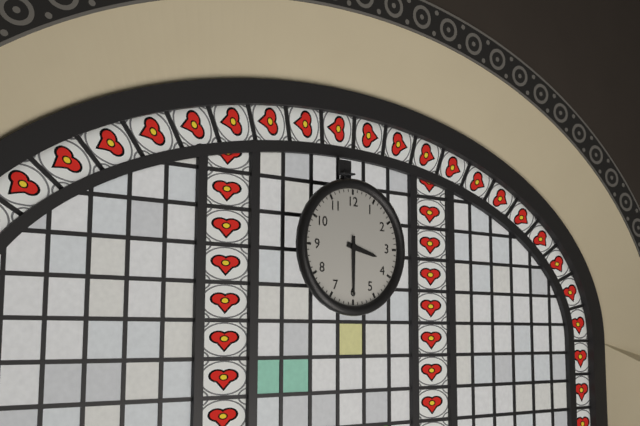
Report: 3:30
